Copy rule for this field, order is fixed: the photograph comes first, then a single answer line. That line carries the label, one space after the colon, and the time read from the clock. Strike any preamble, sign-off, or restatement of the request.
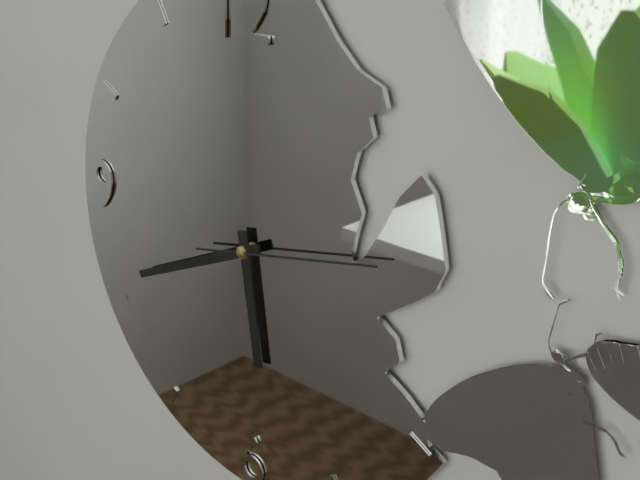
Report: 5:41:13
